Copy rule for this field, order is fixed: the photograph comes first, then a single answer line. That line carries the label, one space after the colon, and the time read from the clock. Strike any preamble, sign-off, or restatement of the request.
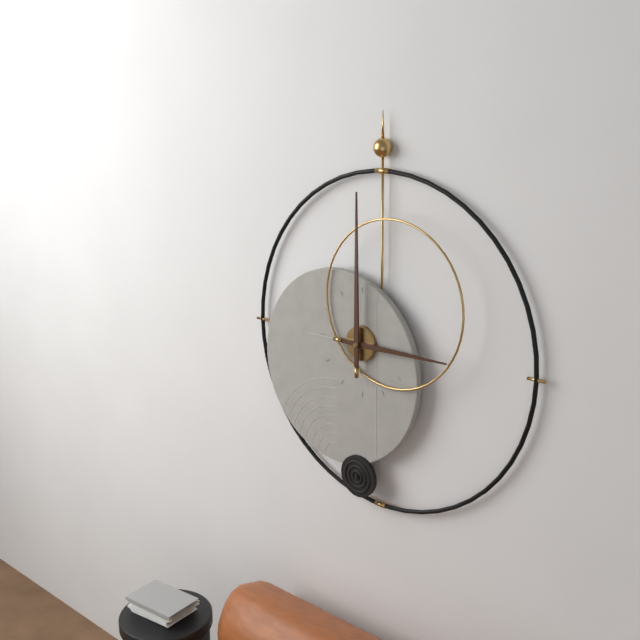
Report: 3:00
